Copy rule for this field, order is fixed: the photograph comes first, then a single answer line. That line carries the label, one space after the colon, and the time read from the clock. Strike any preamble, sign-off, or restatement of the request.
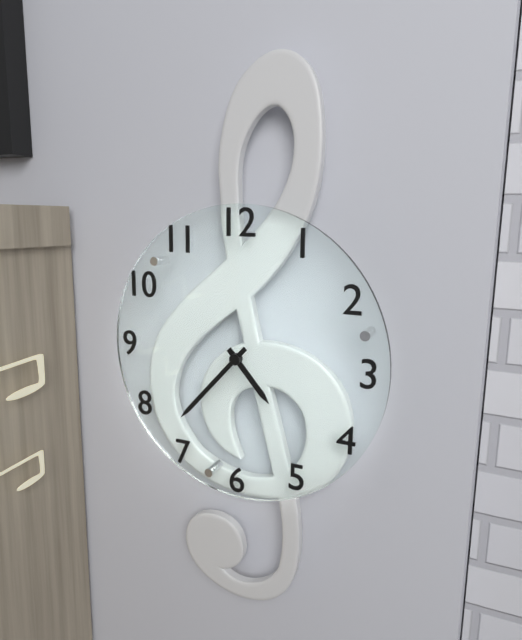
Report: 4:37
